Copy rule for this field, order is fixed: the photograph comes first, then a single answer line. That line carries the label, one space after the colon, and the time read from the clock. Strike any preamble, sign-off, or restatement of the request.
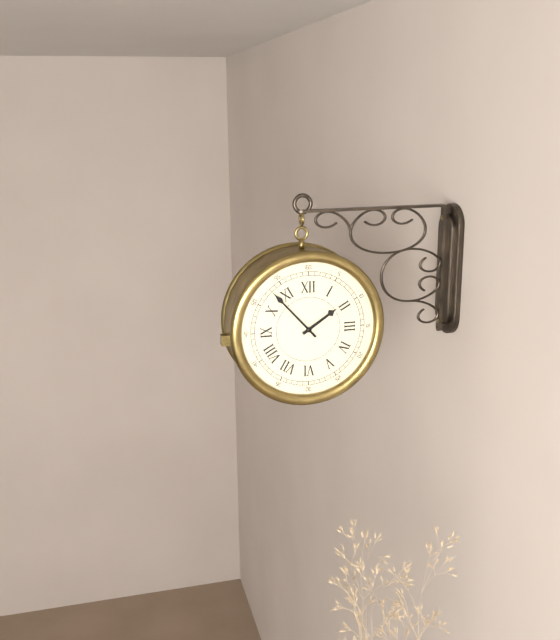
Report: 1:53
